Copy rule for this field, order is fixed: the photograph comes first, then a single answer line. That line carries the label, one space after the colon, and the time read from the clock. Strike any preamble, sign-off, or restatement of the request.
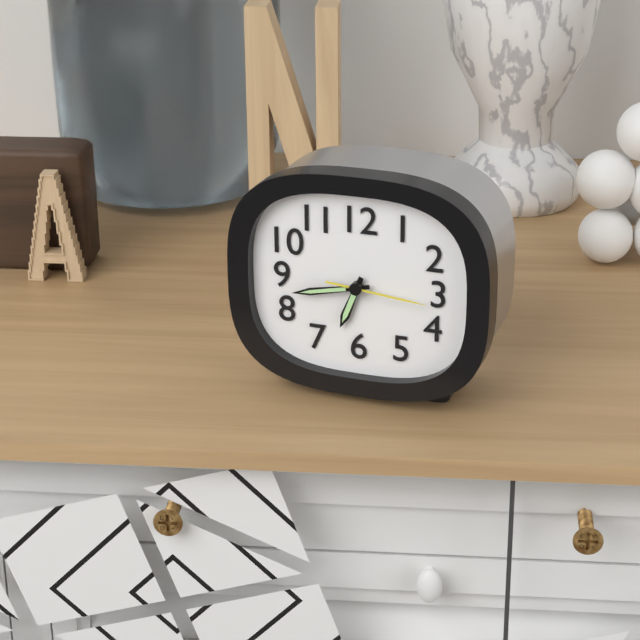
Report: 6:43:16
